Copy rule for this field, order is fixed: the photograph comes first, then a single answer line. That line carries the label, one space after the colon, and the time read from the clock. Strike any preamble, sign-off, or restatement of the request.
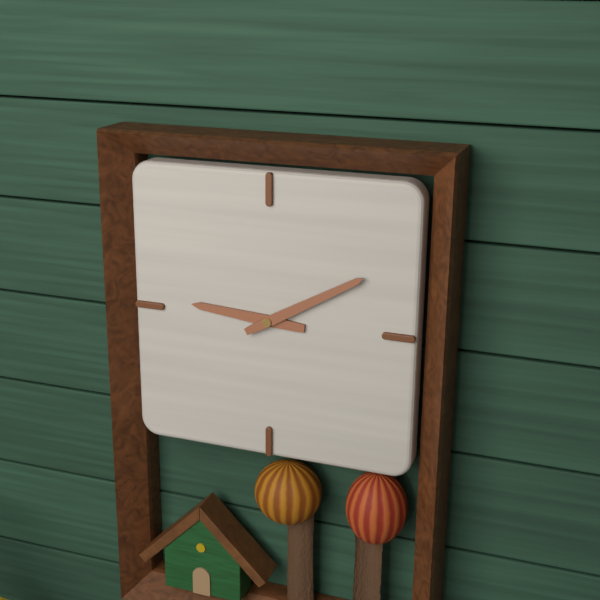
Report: 9:10
